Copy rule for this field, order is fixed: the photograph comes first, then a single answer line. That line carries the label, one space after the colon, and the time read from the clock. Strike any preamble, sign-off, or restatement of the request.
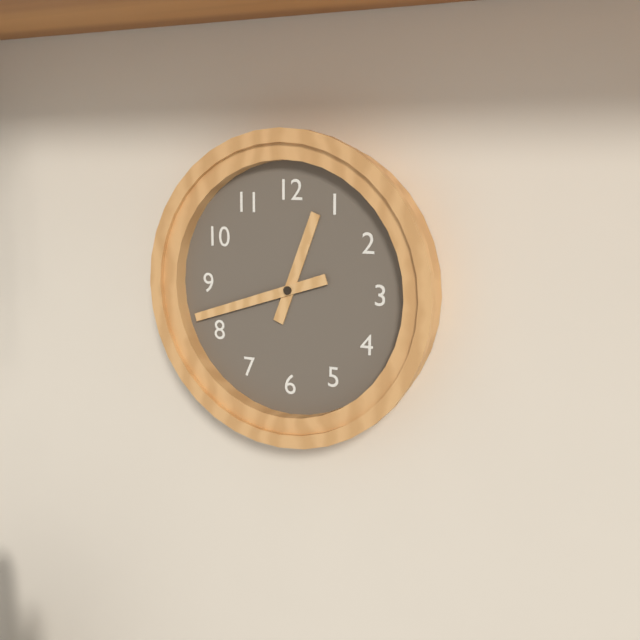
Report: 12:42
